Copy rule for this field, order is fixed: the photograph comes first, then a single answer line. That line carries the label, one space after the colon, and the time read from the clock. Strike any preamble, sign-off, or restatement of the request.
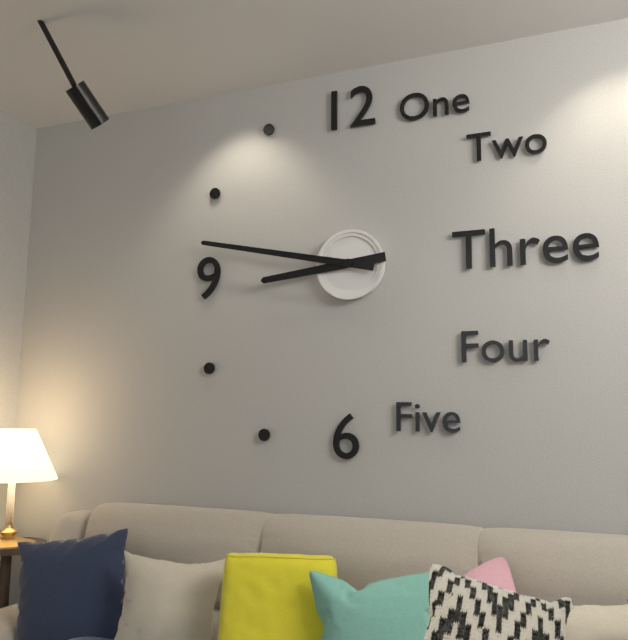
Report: 8:47
